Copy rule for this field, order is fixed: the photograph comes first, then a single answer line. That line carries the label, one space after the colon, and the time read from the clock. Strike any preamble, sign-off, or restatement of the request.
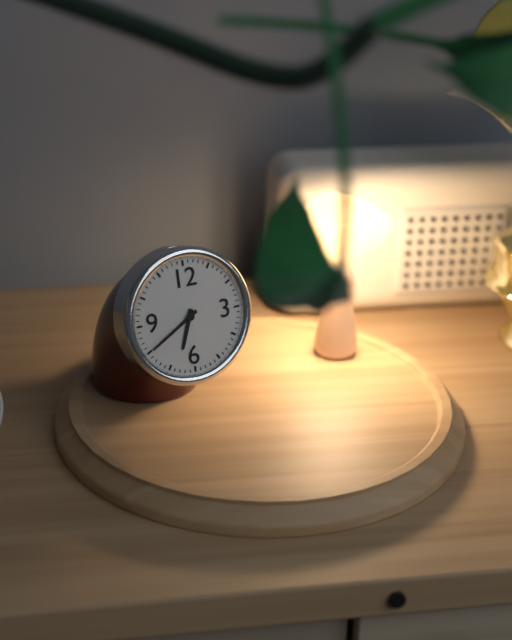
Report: 6:40
